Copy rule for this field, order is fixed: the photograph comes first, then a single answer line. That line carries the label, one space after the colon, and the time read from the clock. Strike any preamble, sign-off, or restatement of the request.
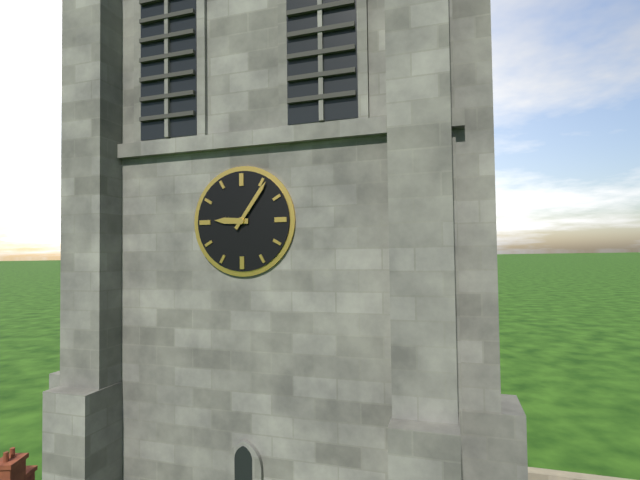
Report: 9:06
